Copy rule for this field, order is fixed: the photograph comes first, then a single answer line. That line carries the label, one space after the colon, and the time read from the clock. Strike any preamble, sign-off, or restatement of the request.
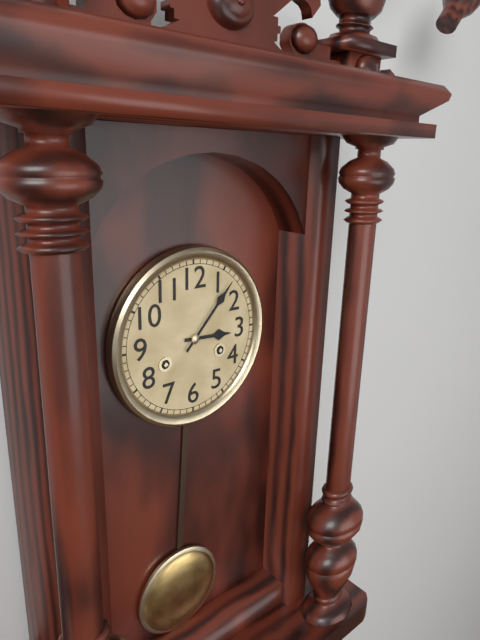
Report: 3:07
